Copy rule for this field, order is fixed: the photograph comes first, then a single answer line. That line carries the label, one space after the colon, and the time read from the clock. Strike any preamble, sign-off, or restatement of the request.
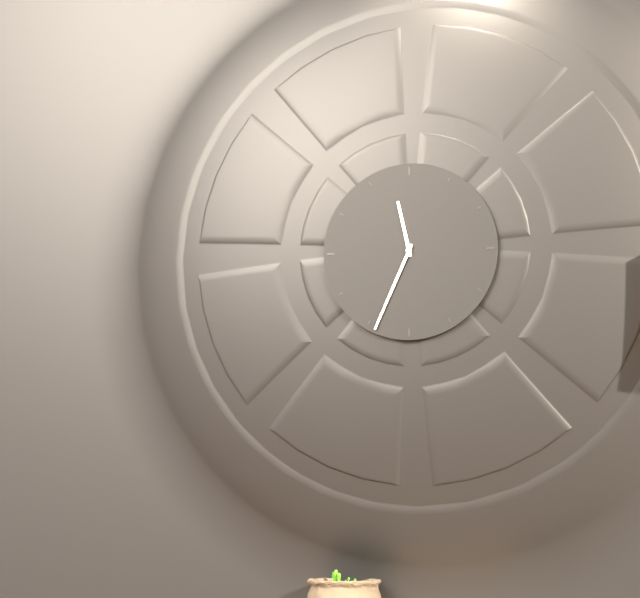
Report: 11:34
